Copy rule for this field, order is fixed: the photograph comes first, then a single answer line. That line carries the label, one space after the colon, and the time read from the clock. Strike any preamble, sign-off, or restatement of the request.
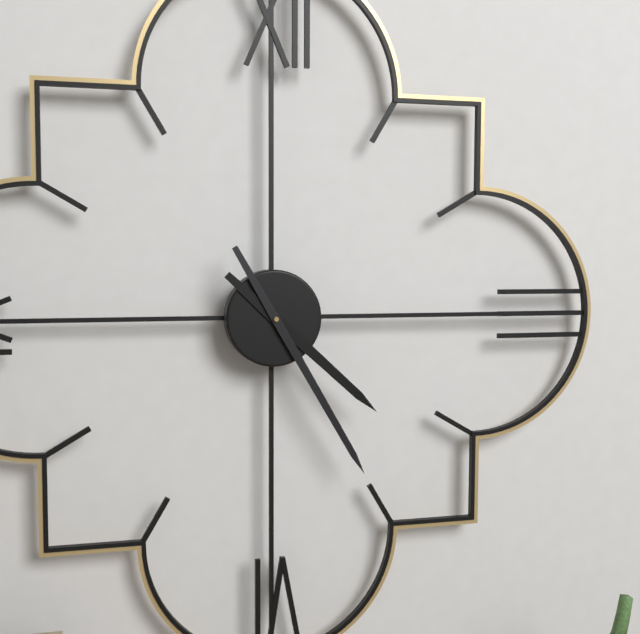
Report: 4:25
